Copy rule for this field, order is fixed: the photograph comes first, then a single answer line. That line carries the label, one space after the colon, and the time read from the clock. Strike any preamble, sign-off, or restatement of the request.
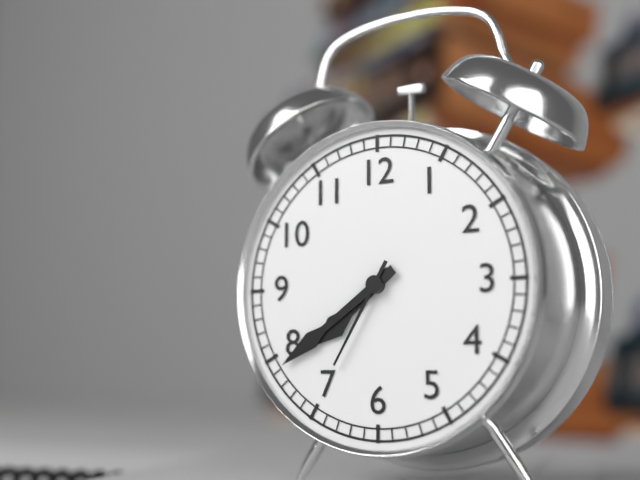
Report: 7:39:35
